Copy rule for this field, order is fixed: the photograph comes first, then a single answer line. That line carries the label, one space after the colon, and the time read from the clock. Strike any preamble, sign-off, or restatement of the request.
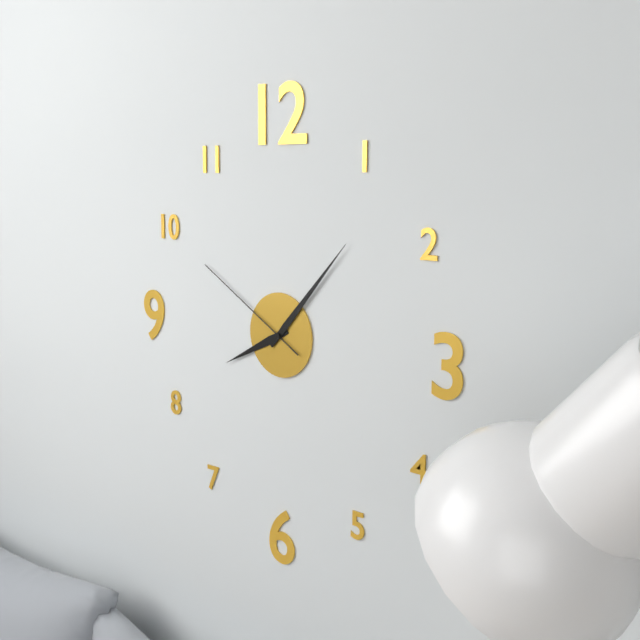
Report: 8:07:50
